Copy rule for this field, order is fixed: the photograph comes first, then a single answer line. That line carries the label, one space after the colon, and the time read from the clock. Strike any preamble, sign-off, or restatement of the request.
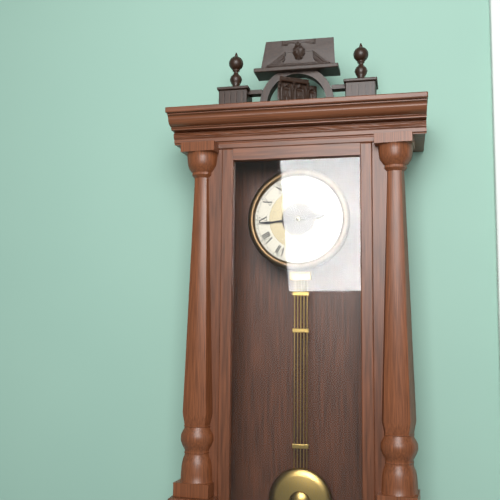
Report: 2:44
